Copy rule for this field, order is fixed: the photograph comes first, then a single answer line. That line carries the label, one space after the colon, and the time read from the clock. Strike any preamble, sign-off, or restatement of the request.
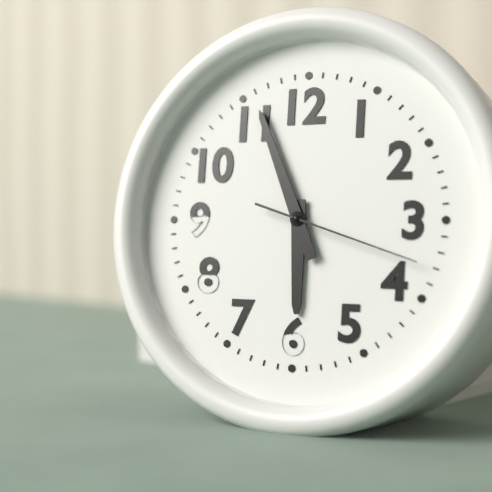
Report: 5:56:18
